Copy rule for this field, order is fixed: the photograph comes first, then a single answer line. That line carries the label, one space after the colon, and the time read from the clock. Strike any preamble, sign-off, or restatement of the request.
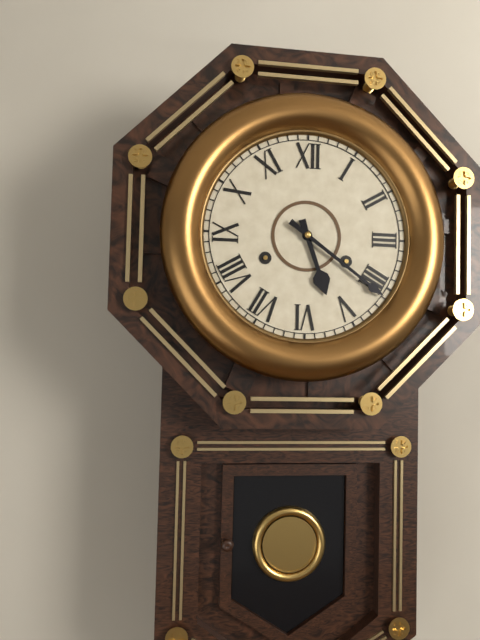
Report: 5:21
